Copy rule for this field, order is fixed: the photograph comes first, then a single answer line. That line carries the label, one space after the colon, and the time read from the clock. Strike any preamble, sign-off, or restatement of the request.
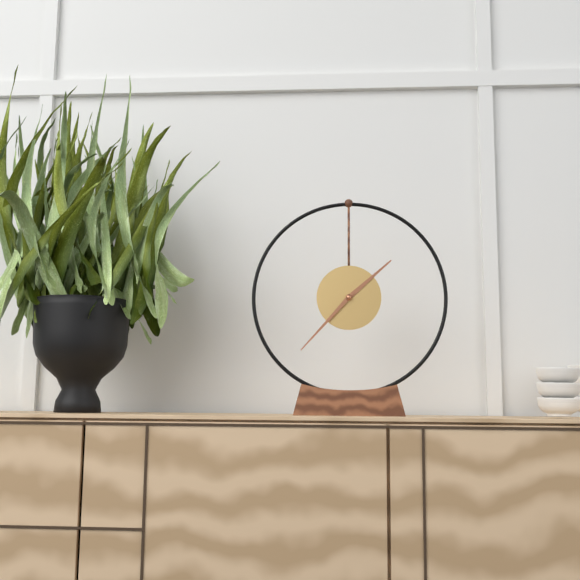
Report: 1:37
